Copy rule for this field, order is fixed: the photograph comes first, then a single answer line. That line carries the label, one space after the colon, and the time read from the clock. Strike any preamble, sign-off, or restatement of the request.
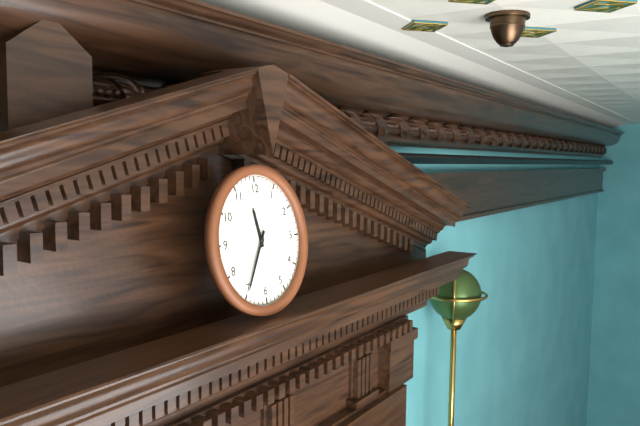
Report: 11:35
